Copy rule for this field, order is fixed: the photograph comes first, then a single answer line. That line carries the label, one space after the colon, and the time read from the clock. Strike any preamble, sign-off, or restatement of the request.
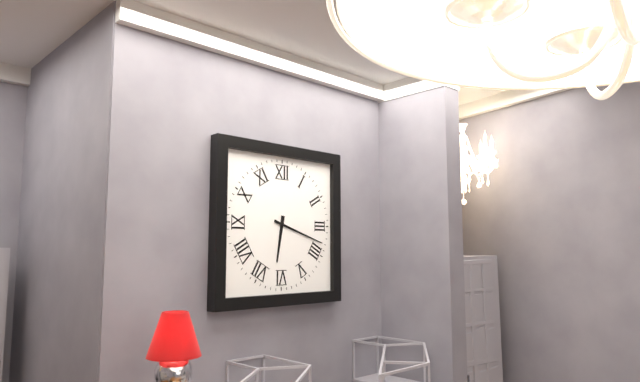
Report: 6:18
